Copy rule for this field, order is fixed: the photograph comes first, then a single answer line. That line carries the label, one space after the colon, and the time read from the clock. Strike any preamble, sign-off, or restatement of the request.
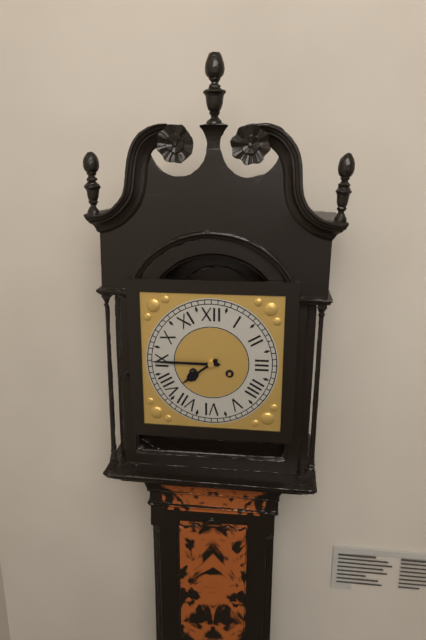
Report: 7:45
